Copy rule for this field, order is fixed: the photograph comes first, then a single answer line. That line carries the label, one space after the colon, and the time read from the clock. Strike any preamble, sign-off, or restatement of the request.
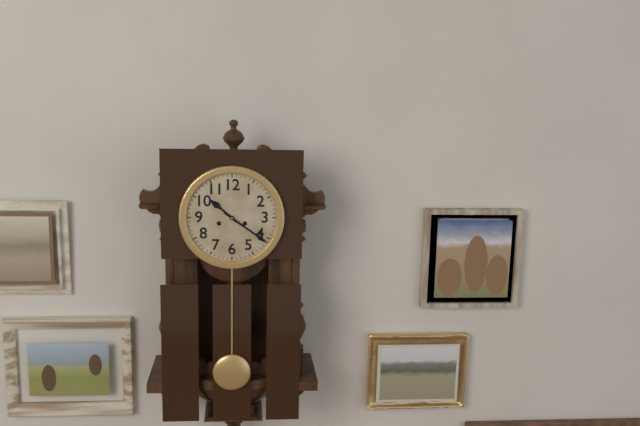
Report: 10:21
